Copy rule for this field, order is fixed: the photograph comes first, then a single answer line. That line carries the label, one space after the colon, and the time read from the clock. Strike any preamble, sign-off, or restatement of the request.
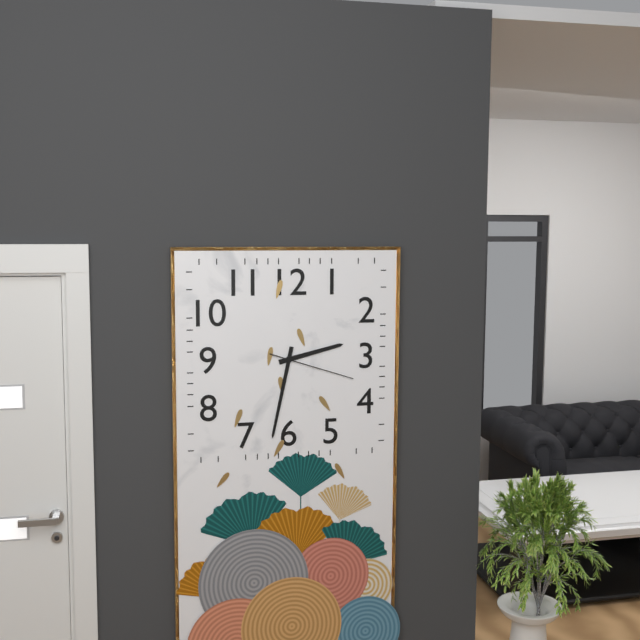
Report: 2:32:18
